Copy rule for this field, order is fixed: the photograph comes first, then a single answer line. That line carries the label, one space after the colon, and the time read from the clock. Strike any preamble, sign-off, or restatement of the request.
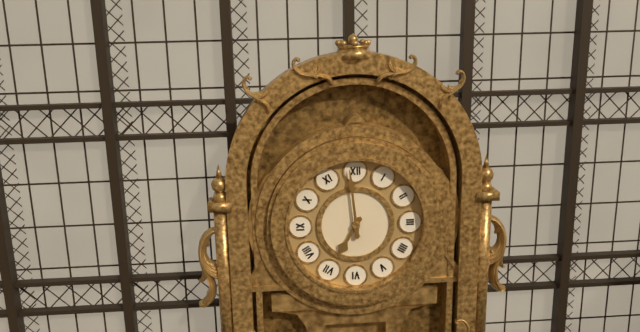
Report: 6:59
